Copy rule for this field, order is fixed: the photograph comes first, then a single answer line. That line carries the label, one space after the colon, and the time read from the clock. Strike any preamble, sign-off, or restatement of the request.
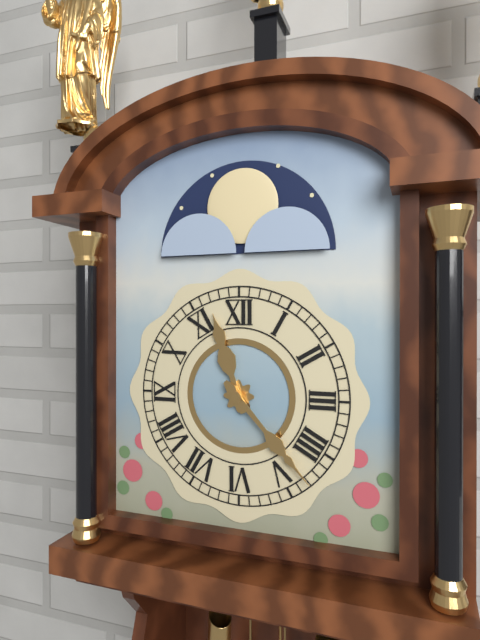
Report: 11:23
